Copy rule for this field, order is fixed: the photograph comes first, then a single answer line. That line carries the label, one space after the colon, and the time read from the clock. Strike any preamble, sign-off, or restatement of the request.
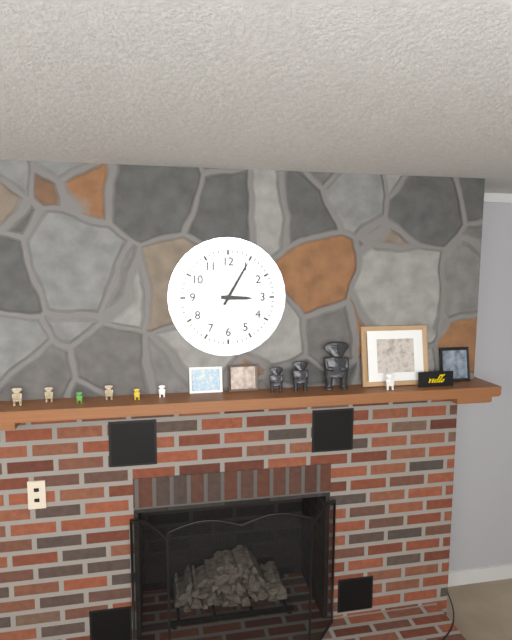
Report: 3:05
